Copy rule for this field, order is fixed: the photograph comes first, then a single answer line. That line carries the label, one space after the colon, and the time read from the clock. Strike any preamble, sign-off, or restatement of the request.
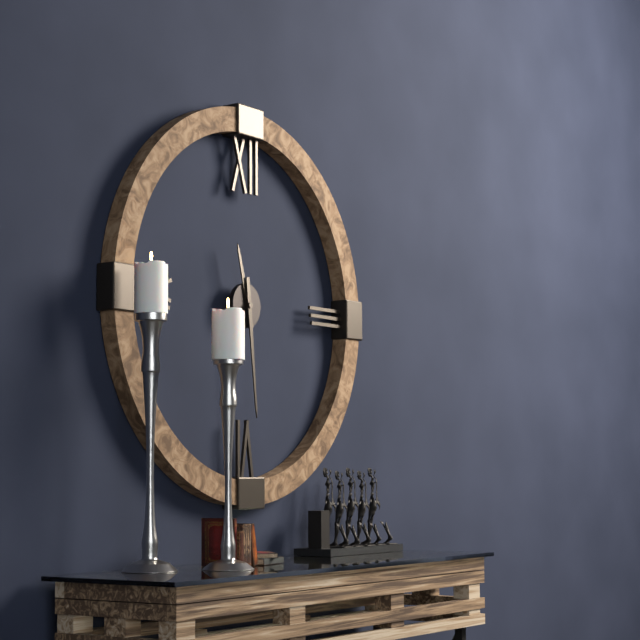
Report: 11:29
